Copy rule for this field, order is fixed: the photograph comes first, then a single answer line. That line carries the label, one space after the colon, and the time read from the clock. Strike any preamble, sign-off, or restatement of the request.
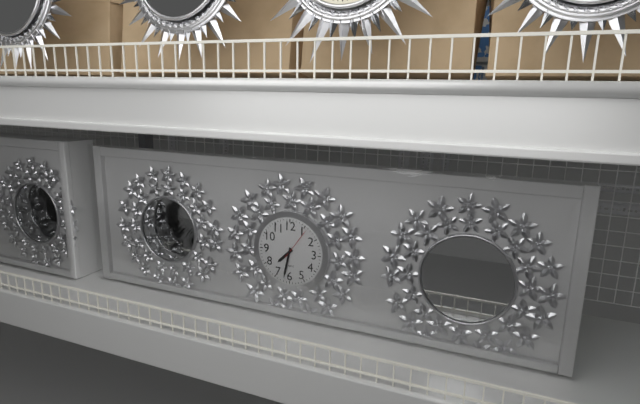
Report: 7:32
